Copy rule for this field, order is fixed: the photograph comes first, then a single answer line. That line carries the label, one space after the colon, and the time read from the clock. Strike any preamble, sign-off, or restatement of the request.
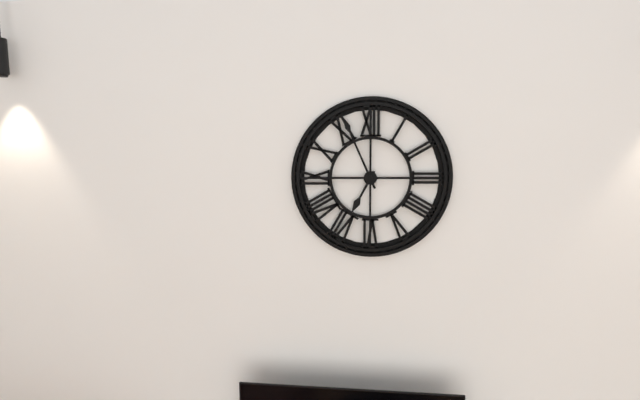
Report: 6:56
